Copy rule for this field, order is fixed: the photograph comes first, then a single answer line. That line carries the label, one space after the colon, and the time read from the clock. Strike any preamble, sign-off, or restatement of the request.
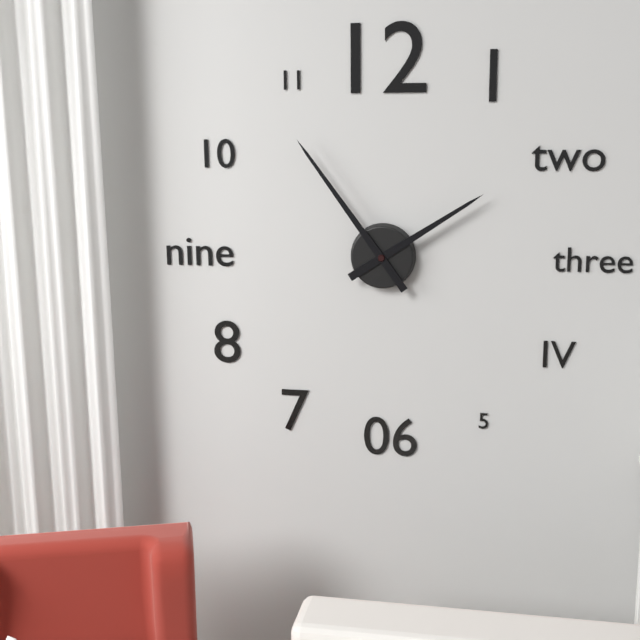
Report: 1:54
